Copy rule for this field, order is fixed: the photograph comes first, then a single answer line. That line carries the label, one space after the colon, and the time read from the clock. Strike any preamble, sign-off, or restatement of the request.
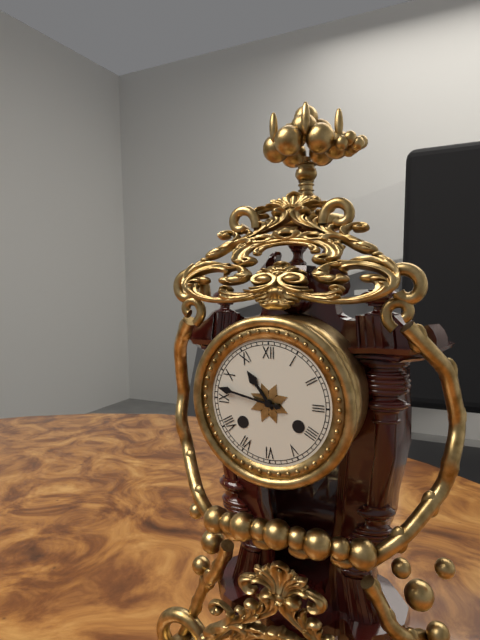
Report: 10:47
